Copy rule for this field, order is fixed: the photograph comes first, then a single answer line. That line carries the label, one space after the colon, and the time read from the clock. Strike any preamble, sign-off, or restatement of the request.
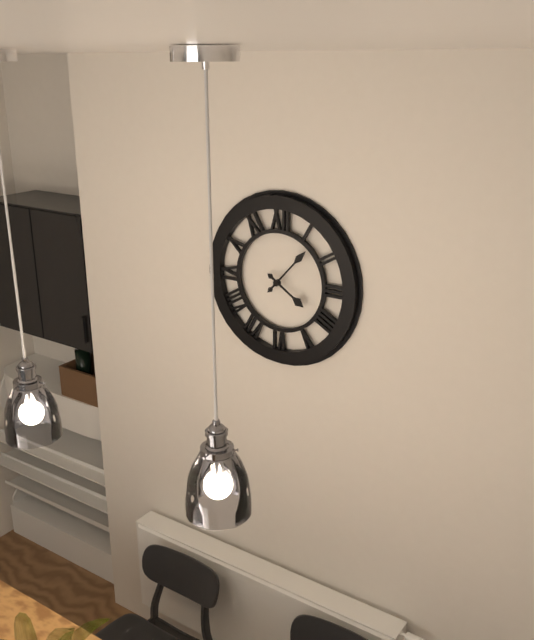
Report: 4:07
